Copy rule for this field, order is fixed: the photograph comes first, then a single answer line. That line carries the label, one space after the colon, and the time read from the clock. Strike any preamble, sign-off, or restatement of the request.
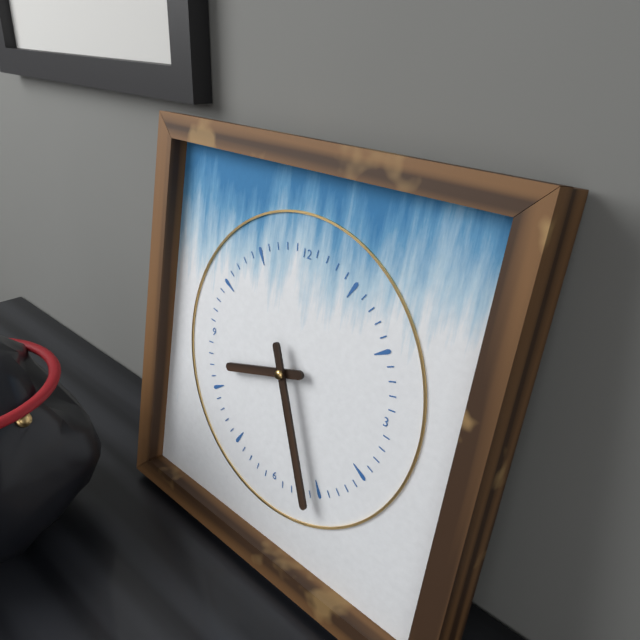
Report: 8:26
